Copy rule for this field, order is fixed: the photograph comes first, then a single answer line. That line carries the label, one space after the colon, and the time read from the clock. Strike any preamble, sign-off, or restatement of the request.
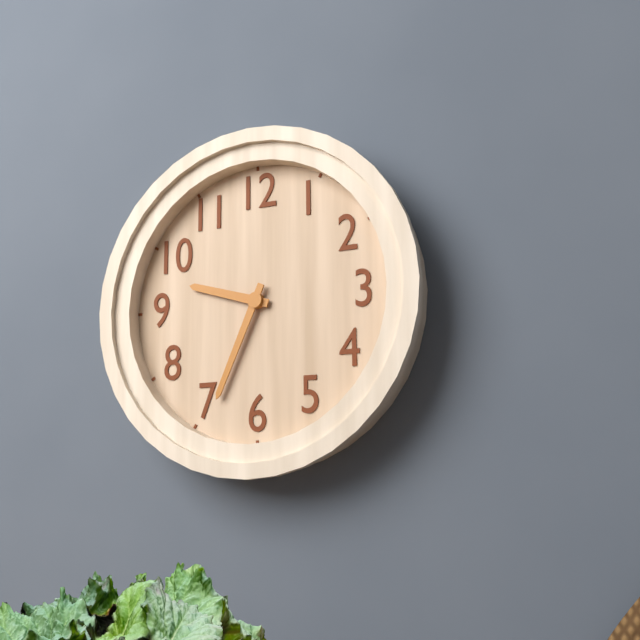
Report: 9:34
